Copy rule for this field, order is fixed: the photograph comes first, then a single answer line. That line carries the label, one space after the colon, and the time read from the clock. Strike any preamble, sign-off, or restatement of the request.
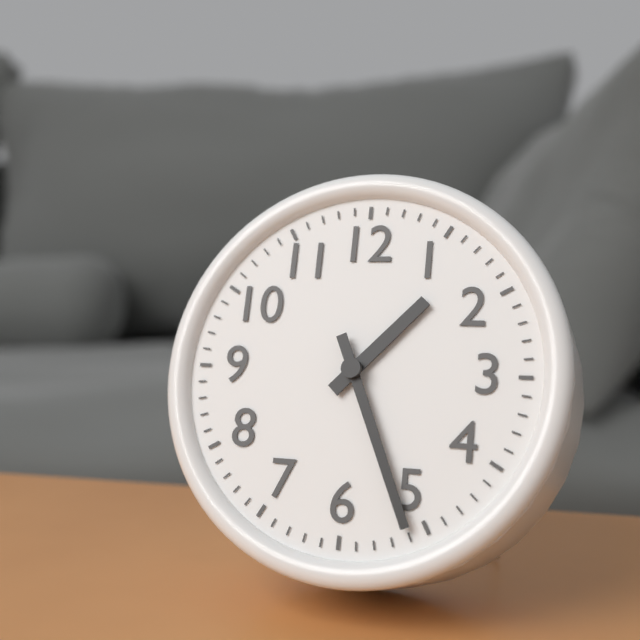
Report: 1:26
